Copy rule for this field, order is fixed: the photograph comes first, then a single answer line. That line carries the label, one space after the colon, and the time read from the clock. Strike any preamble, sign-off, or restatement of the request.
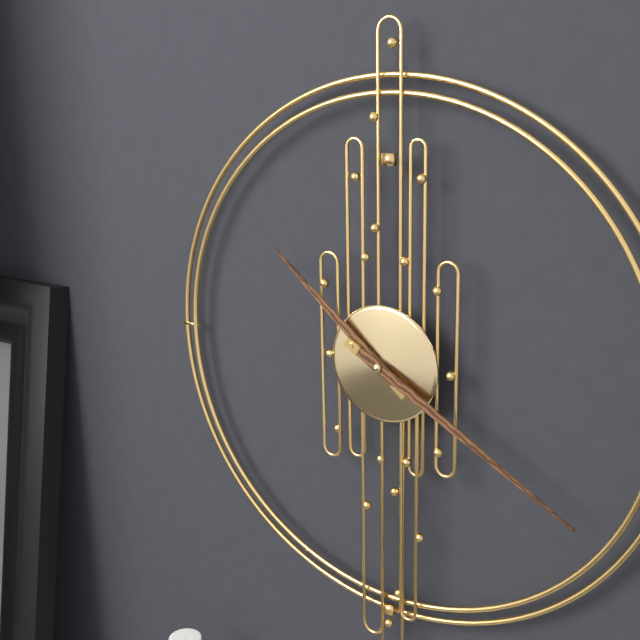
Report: 10:20
